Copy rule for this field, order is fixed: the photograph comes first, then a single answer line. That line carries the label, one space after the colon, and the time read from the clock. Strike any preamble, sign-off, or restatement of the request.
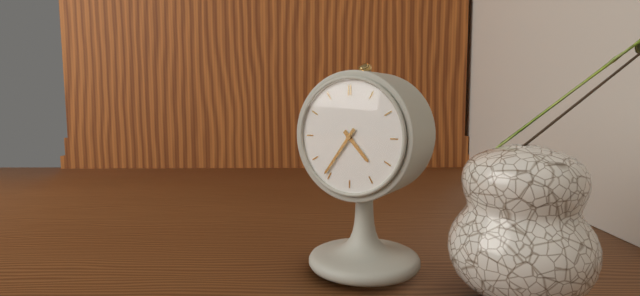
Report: 4:36
